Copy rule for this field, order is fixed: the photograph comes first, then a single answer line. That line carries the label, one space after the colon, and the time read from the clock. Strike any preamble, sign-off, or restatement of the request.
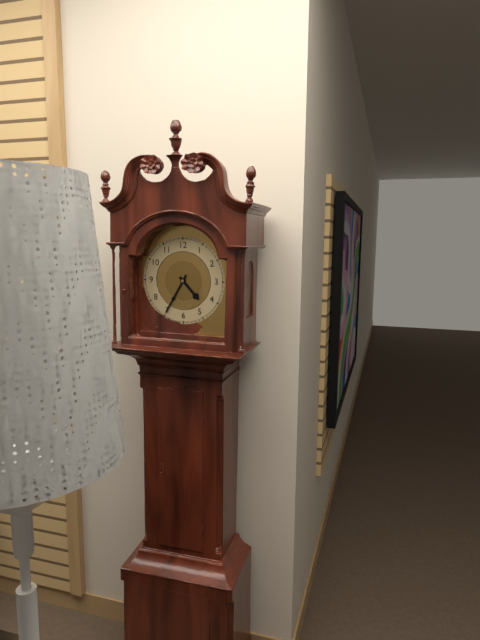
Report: 4:35
